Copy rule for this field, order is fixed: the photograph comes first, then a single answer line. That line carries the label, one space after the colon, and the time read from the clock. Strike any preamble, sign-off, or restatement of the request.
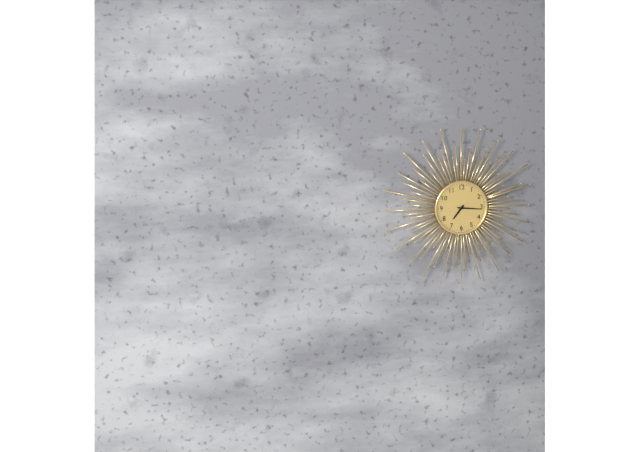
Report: 7:16
